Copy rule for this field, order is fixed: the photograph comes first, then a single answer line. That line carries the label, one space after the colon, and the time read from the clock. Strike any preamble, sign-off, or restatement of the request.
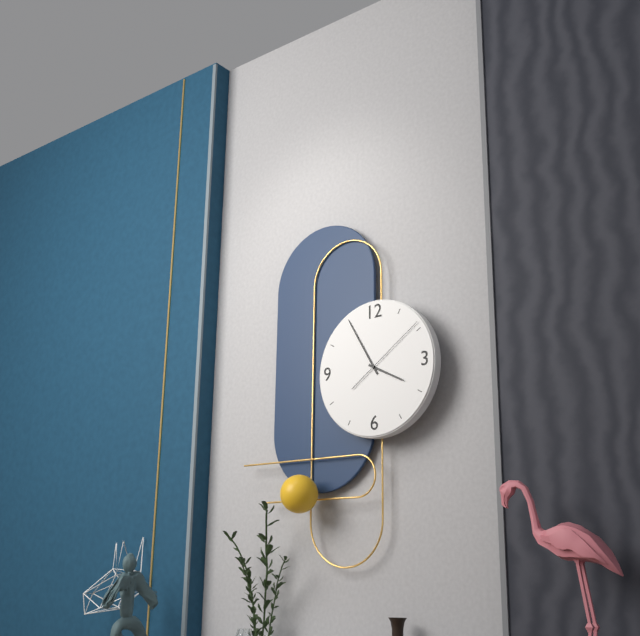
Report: 3:55:09
